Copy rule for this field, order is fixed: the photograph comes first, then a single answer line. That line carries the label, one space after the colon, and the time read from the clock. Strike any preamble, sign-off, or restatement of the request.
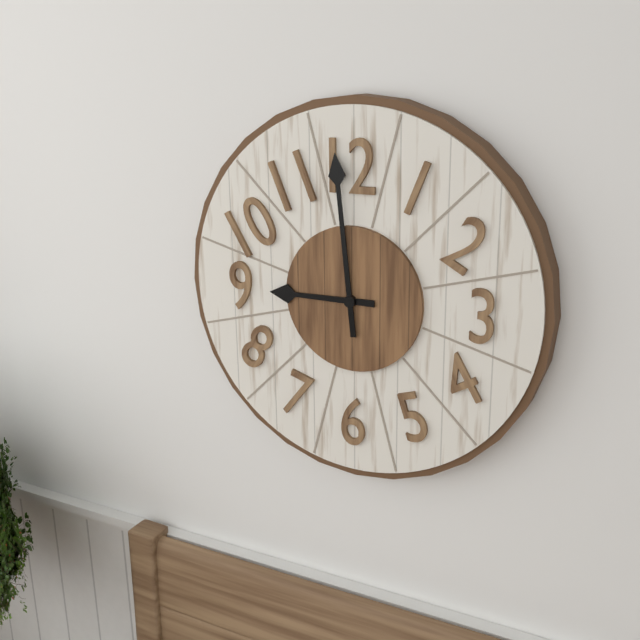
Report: 8:59
